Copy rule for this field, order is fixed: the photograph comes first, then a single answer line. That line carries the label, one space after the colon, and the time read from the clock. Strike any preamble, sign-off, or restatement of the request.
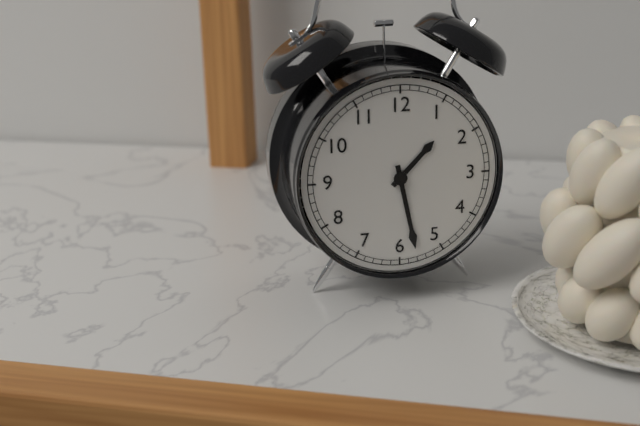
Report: 1:28
